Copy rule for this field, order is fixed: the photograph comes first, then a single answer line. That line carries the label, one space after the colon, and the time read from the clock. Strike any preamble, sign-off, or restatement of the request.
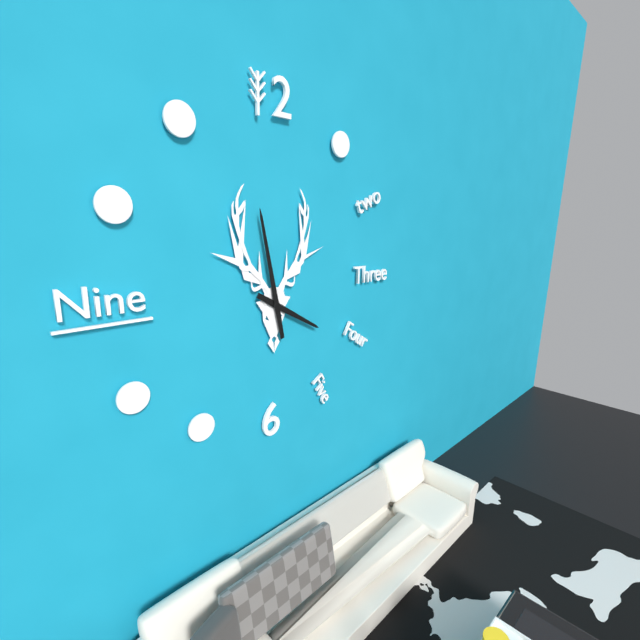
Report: 3:58
